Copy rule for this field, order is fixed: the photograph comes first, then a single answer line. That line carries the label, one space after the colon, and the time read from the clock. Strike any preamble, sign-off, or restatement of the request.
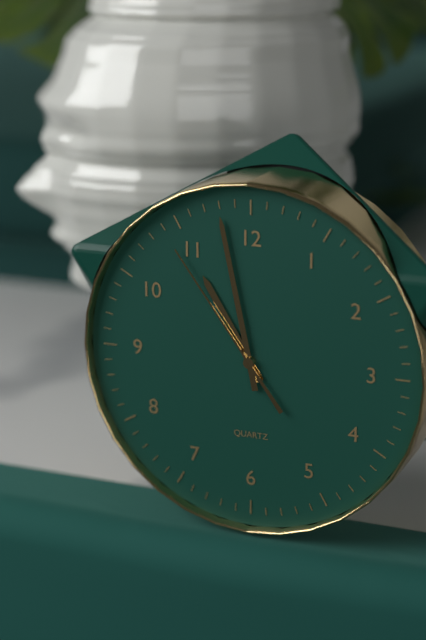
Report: 10:58:54
